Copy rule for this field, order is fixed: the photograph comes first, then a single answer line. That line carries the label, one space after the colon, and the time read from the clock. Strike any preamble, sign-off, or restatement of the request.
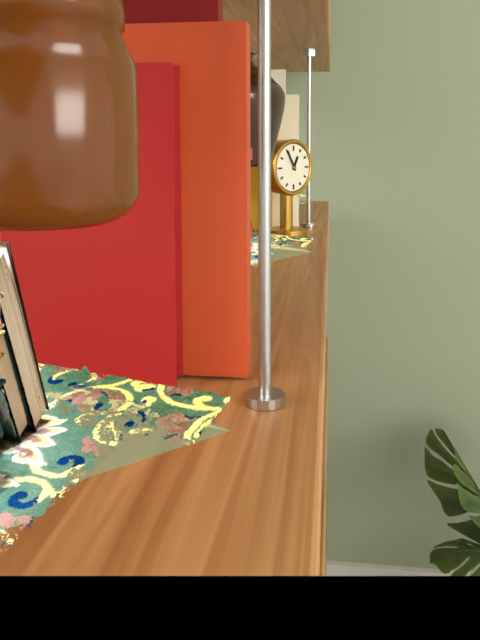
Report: 12:55
